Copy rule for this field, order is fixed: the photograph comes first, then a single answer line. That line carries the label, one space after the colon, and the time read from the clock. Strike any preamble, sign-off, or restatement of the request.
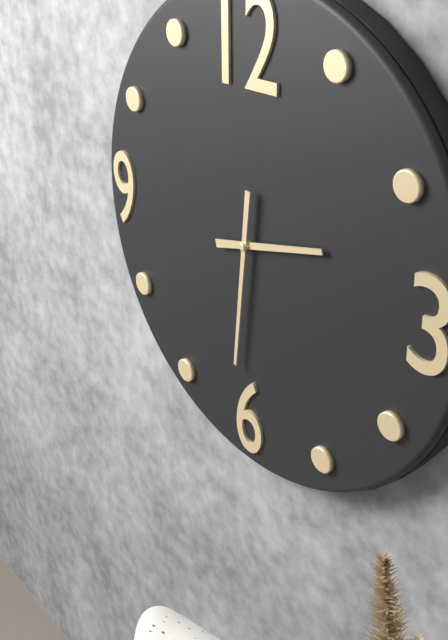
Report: 2:31
